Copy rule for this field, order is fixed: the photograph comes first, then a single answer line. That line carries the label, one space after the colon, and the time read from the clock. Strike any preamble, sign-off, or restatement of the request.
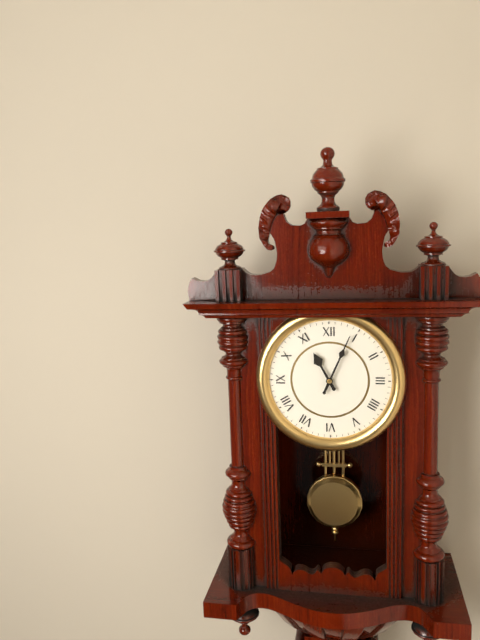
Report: 11:04
